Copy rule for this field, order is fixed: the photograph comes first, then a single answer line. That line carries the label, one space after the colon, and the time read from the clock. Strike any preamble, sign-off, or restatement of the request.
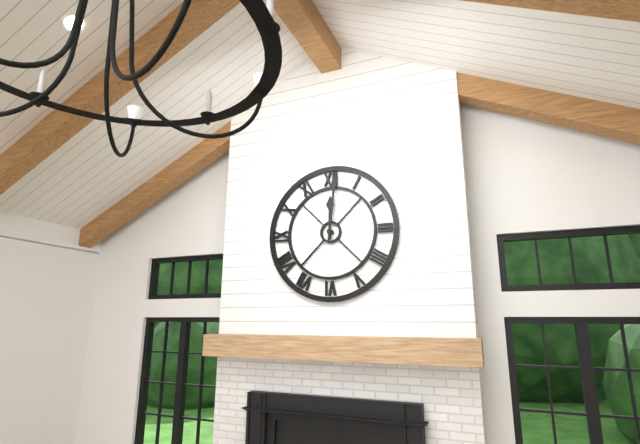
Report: 12:01
